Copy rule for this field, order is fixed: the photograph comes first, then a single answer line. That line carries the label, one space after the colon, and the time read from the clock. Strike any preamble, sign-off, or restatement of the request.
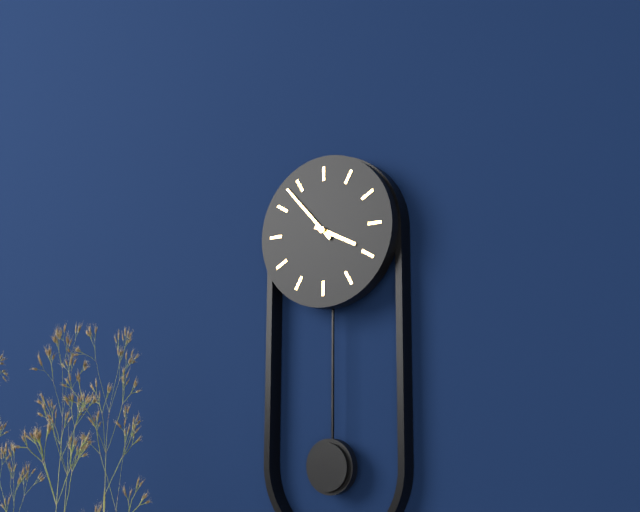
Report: 3:53
